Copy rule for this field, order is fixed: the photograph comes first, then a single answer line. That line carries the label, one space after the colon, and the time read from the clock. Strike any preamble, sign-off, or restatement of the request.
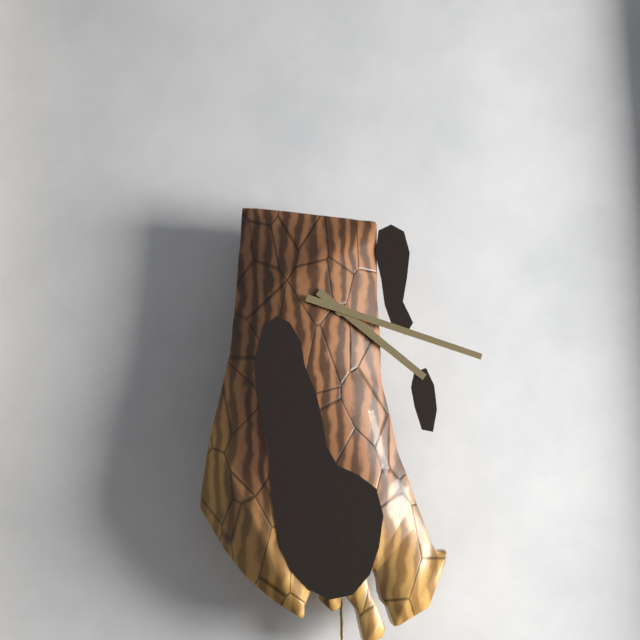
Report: 4:18
